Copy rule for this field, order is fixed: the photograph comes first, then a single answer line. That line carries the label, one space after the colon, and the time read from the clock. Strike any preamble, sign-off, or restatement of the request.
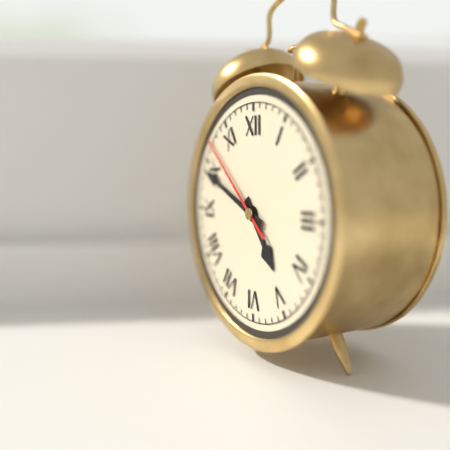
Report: 4:49:52
